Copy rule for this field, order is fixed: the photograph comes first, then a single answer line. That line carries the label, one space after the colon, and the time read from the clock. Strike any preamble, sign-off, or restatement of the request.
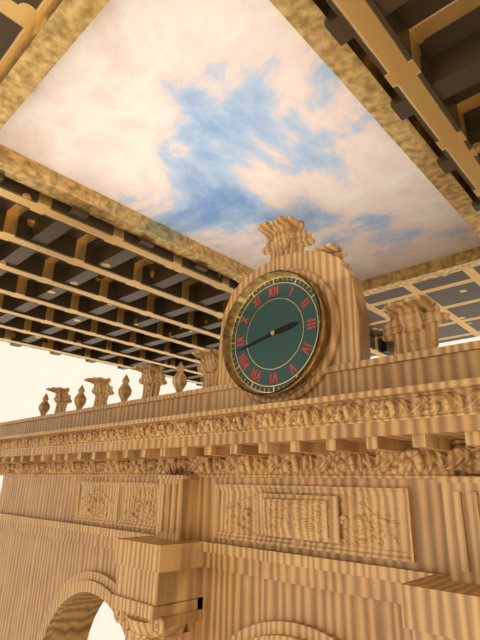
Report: 2:43
